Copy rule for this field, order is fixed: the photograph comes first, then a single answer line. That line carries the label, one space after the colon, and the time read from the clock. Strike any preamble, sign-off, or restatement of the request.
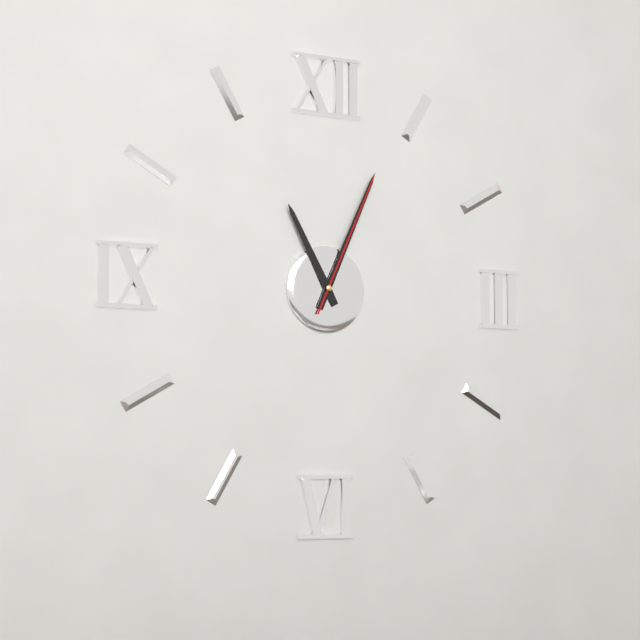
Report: 11:04:04
